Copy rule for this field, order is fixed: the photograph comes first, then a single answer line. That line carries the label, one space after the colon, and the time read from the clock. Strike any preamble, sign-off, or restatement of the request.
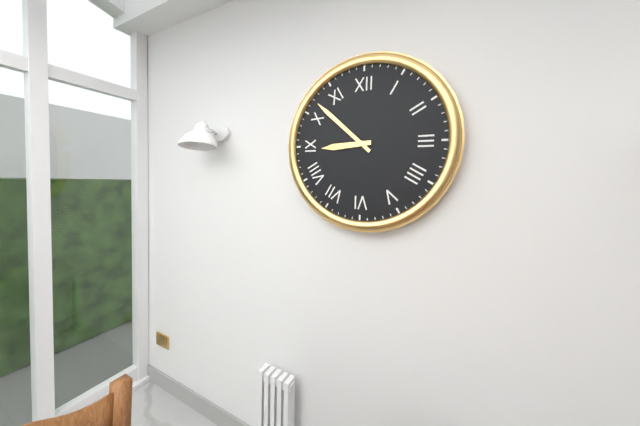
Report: 8:52
